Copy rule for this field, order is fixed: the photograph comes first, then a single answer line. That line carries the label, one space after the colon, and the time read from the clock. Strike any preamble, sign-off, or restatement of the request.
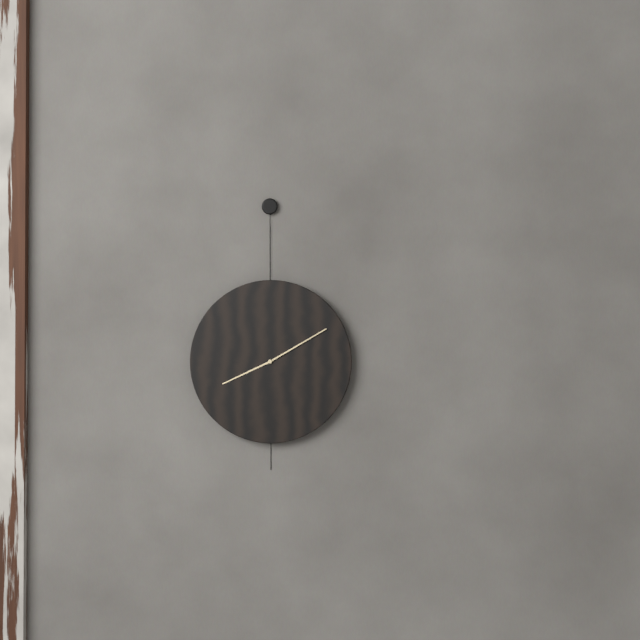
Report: 8:10
